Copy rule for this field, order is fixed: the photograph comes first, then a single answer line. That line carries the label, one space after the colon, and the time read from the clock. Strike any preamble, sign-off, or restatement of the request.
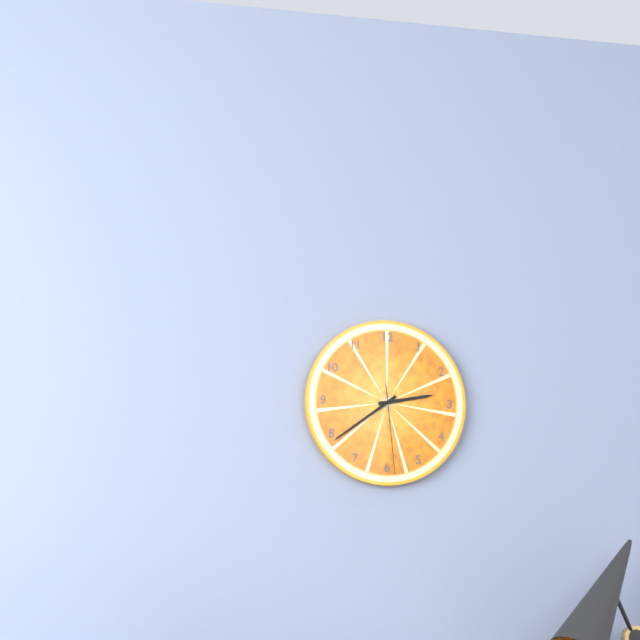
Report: 2:39:29
